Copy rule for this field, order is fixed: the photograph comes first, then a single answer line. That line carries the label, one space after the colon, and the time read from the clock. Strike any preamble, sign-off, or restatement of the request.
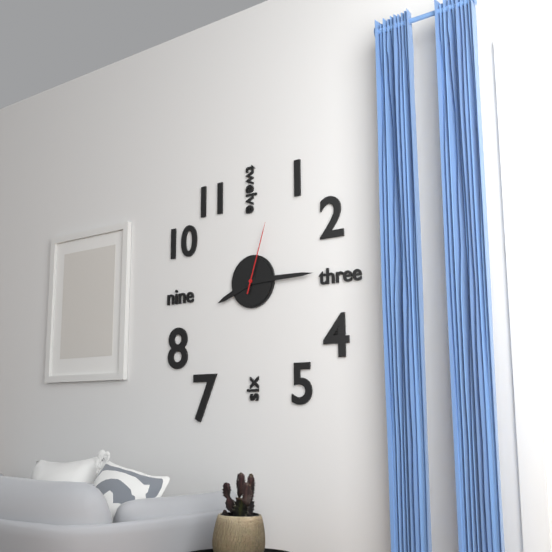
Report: 8:15:03
